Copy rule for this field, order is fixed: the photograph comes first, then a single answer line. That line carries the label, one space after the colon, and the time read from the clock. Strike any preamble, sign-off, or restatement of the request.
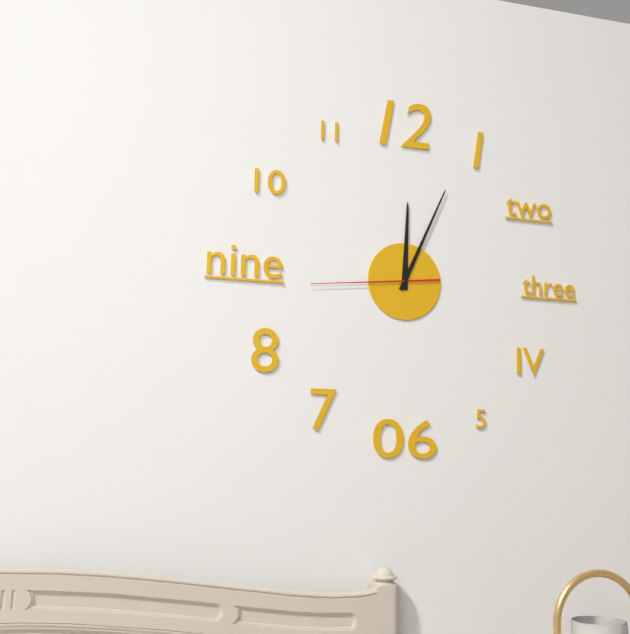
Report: 12:04:44
